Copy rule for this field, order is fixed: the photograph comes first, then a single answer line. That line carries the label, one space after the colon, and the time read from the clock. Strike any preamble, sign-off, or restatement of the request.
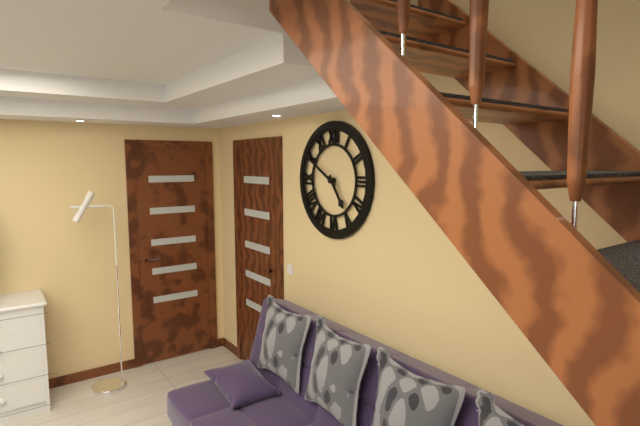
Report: 4:50
